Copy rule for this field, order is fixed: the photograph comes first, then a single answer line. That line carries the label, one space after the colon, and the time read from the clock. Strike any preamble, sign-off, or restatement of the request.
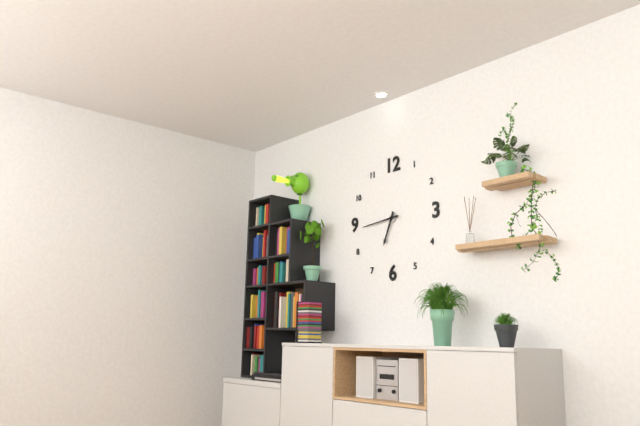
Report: 6:44
